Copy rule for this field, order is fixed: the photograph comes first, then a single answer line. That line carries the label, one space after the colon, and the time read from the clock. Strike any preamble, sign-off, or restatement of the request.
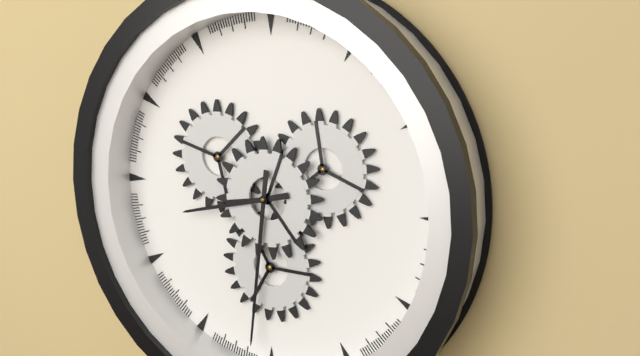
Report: 8:31
